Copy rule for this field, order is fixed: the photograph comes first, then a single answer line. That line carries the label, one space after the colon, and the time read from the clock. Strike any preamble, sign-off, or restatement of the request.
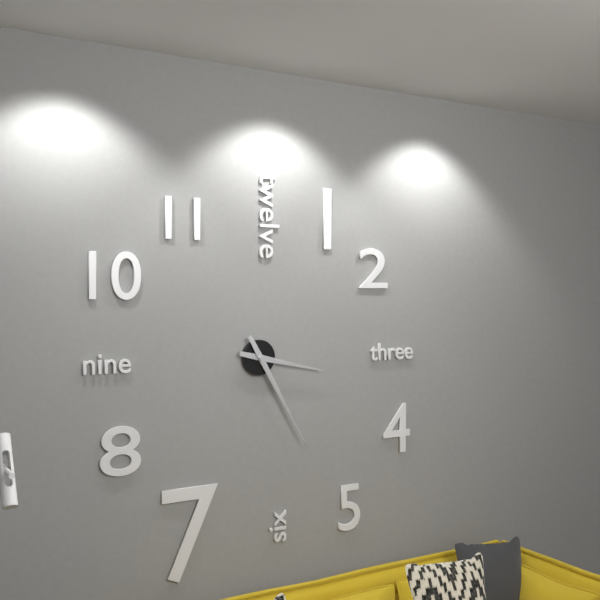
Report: 3:25
